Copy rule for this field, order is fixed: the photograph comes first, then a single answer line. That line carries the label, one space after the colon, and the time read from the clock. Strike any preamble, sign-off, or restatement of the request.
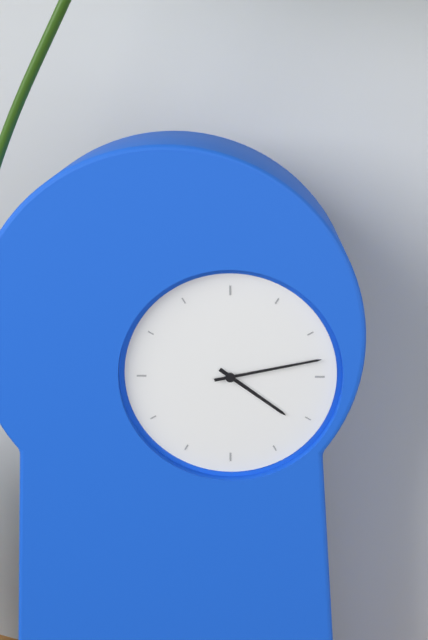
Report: 4:13
